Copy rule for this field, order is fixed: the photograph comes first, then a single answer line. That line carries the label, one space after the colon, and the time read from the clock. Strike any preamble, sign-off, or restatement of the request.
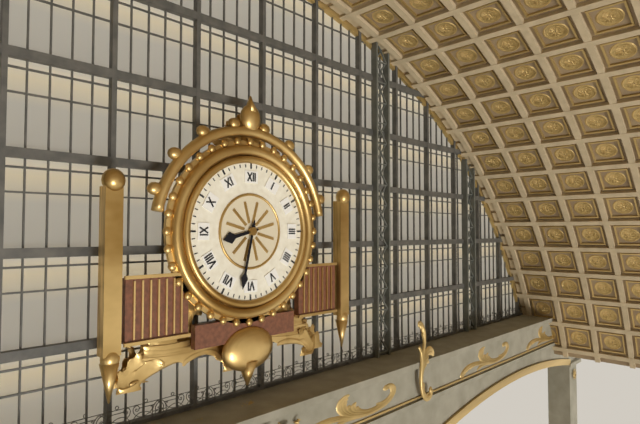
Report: 8:32
